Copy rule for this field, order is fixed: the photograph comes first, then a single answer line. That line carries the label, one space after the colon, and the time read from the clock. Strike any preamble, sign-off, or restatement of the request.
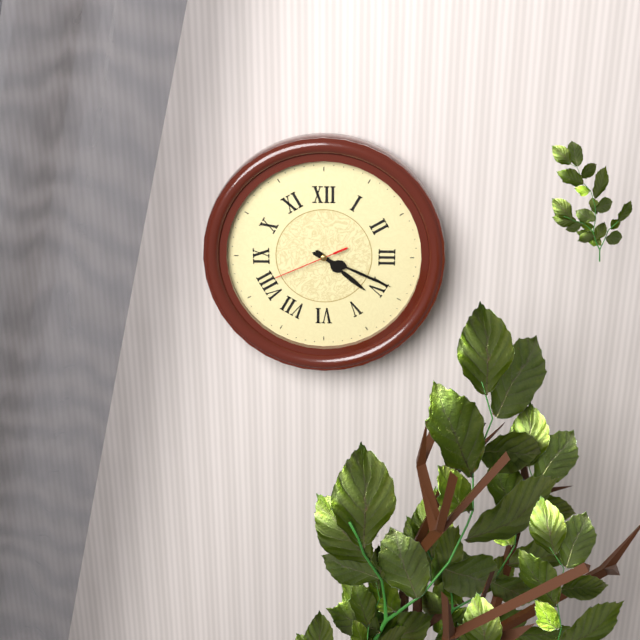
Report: 4:19:41
